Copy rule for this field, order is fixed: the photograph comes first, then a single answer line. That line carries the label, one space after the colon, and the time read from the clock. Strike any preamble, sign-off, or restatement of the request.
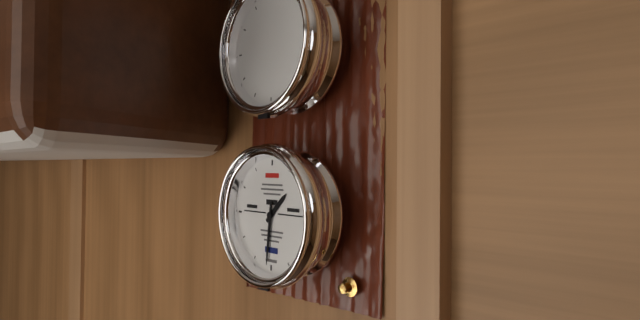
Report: 1:31
